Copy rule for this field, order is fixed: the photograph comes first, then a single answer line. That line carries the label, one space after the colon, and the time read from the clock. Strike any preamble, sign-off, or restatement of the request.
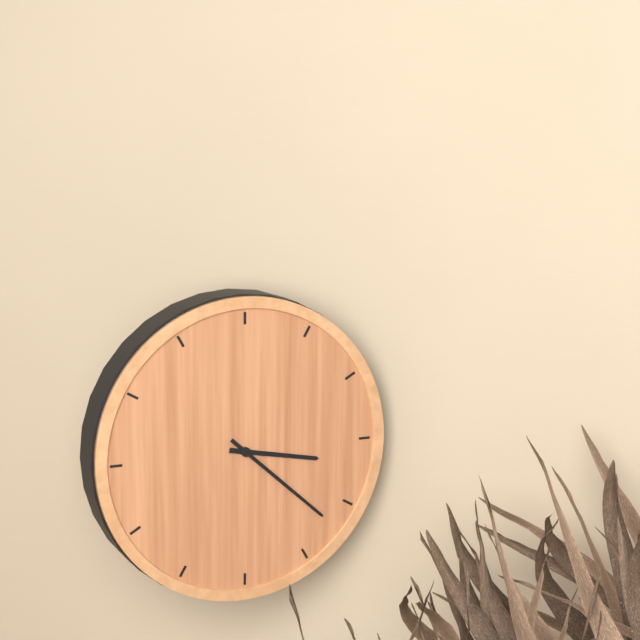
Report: 3:22
